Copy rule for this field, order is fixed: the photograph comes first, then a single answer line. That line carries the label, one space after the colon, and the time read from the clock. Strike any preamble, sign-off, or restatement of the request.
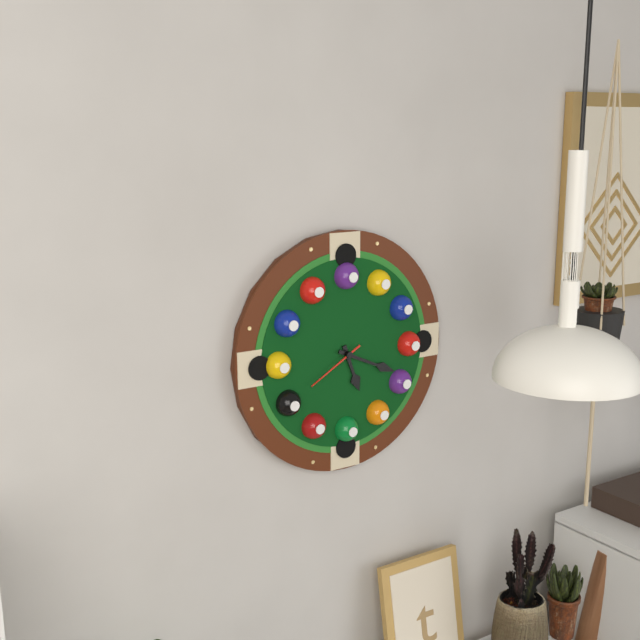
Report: 5:19:40
